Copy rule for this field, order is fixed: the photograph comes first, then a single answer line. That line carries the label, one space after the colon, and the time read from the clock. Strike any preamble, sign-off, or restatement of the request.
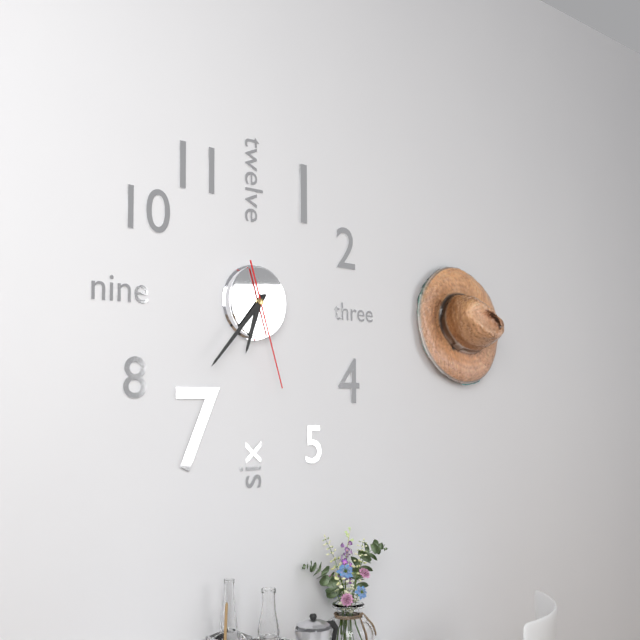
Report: 6:37:27
